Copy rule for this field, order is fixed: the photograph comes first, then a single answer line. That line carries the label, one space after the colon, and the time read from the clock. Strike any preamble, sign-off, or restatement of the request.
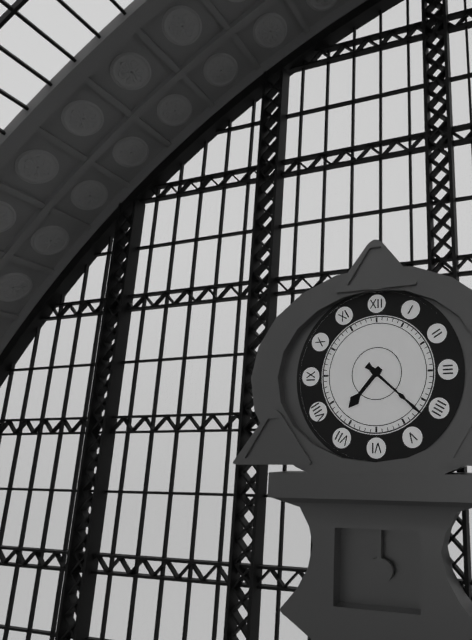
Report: 7:22
